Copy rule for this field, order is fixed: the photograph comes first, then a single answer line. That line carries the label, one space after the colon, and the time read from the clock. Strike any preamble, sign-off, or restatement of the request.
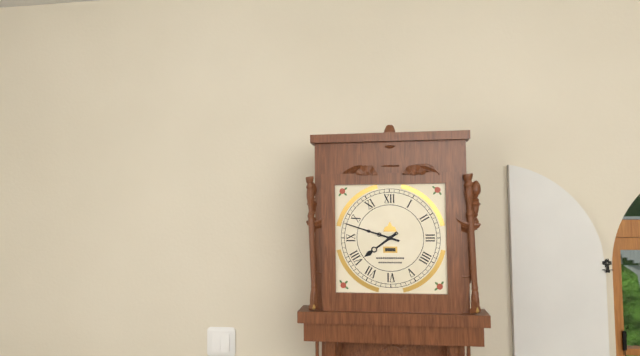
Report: 7:48
